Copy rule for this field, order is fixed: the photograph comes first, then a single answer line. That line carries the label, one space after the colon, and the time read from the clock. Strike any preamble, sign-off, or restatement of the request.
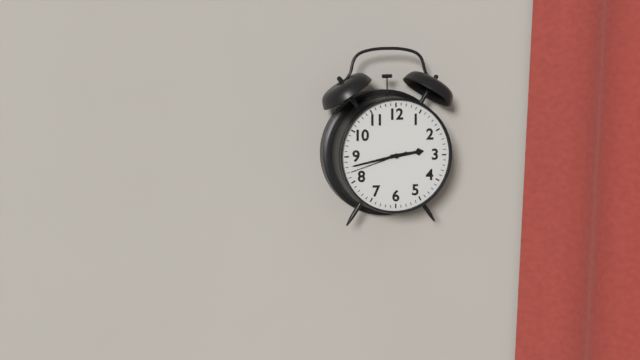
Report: 2:43:42
